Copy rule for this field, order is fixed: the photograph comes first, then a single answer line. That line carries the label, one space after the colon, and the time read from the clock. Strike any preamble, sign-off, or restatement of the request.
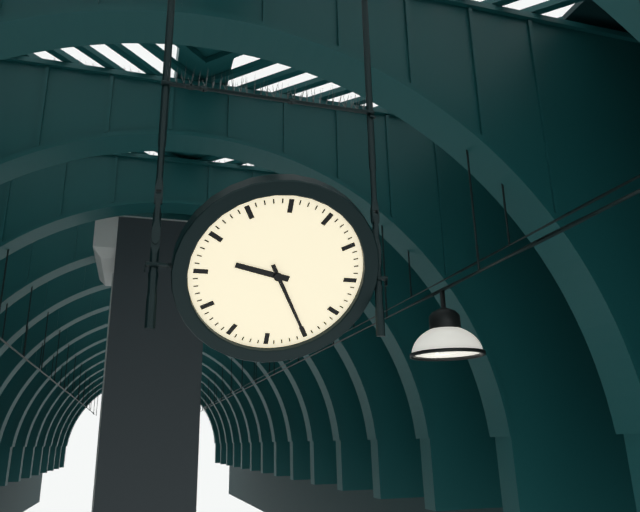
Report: 9:25
